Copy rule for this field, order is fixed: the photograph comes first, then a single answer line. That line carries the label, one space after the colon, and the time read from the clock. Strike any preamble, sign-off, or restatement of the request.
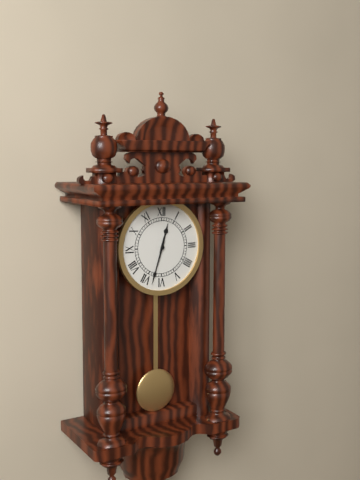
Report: 12:33
